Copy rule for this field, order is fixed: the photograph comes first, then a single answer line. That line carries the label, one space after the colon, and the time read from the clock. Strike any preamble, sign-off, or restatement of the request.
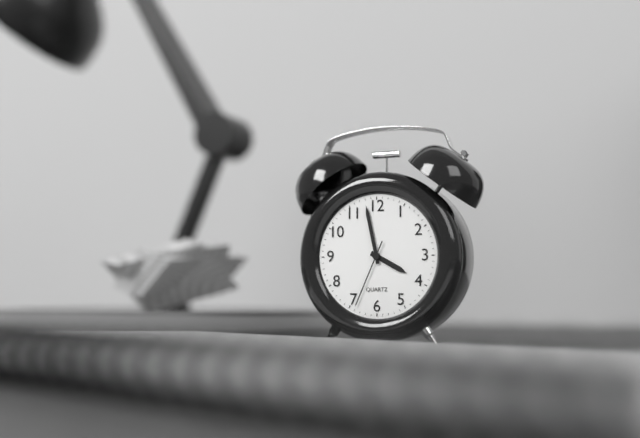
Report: 3:58:34
